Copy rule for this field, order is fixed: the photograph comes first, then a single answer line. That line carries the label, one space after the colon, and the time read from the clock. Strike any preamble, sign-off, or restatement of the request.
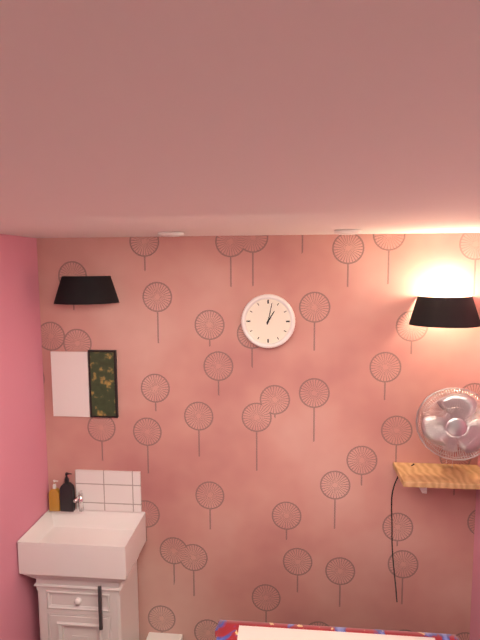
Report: 1:02
